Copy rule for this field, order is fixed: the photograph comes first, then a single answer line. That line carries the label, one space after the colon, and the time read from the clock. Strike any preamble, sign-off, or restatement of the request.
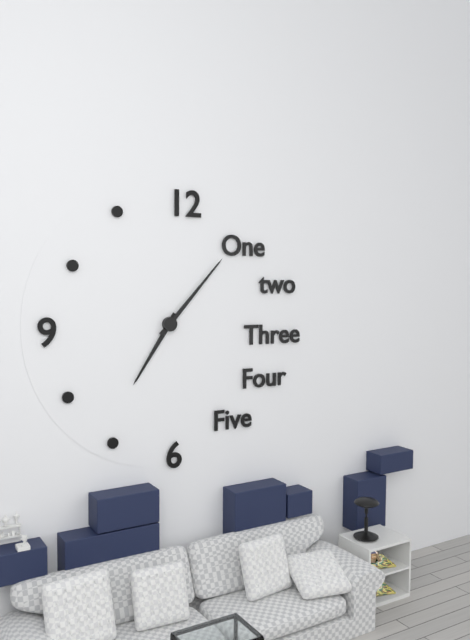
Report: 7:07
